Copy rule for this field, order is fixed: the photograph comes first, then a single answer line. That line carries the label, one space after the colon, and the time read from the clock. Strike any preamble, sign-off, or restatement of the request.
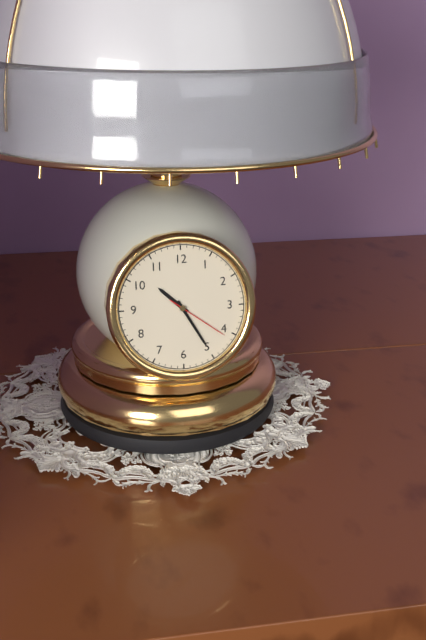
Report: 10:25:21
